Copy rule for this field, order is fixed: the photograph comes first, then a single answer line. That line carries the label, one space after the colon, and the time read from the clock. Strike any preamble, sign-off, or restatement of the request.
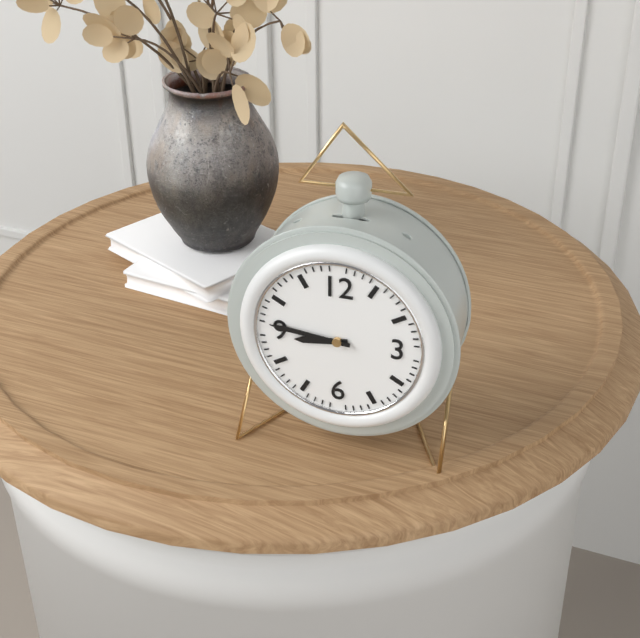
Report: 8:46
